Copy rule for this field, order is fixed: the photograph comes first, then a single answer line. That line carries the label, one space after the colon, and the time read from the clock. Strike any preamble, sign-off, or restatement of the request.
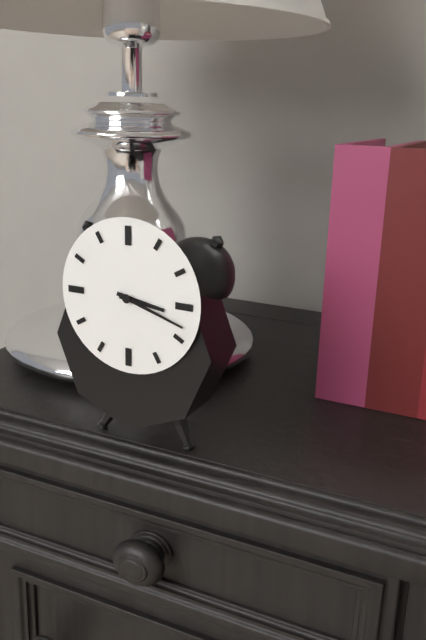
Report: 3:18
